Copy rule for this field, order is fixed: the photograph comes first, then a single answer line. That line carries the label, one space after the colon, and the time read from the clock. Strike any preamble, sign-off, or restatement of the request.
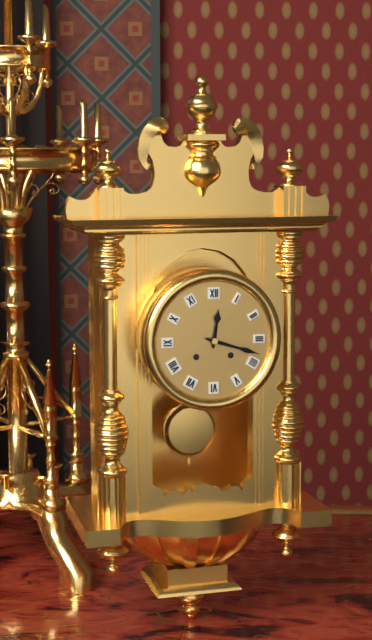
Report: 12:18
